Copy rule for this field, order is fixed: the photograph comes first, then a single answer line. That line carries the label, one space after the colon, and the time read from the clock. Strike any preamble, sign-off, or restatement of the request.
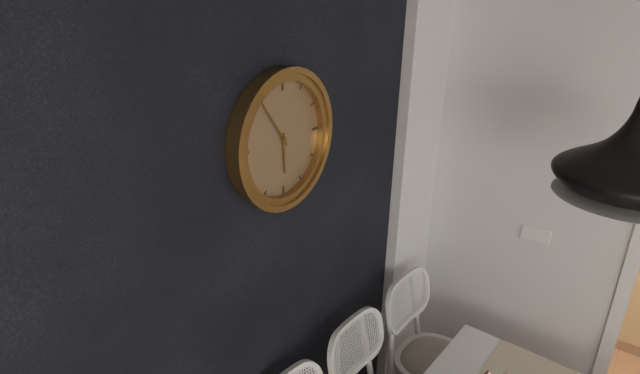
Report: 5:54
